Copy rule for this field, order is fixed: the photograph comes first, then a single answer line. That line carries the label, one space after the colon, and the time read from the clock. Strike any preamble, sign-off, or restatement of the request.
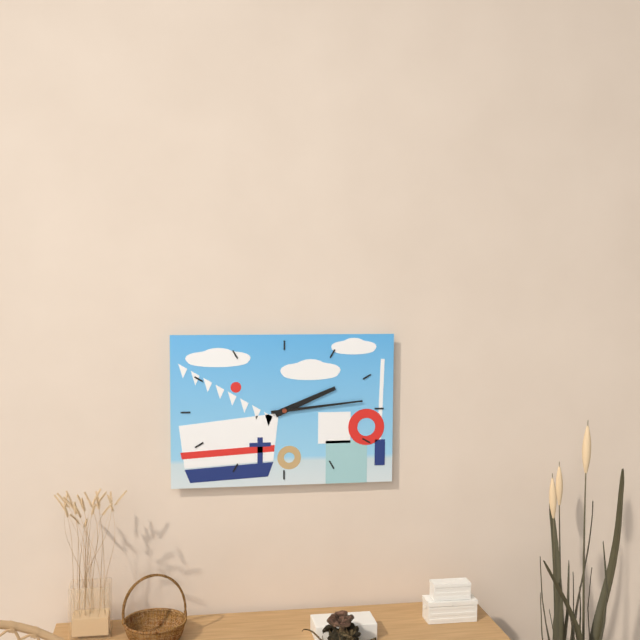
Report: 2:14
